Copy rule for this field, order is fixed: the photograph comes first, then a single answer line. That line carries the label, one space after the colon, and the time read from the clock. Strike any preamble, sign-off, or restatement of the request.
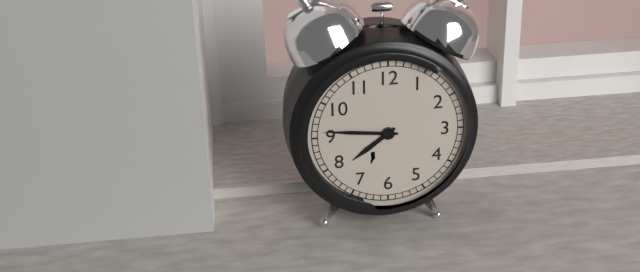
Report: 7:46
